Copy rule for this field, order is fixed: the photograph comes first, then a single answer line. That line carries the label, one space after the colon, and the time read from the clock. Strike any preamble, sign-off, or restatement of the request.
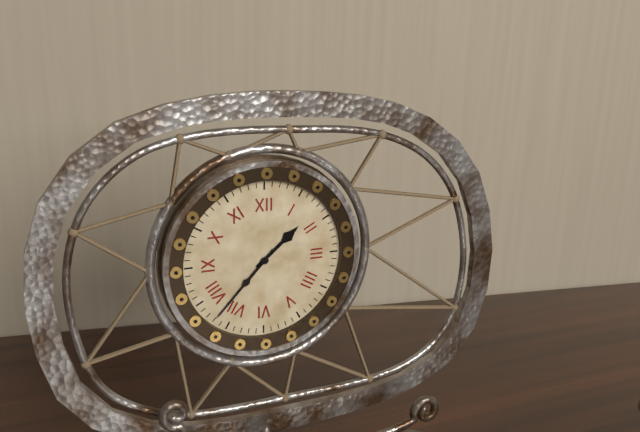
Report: 1:37
